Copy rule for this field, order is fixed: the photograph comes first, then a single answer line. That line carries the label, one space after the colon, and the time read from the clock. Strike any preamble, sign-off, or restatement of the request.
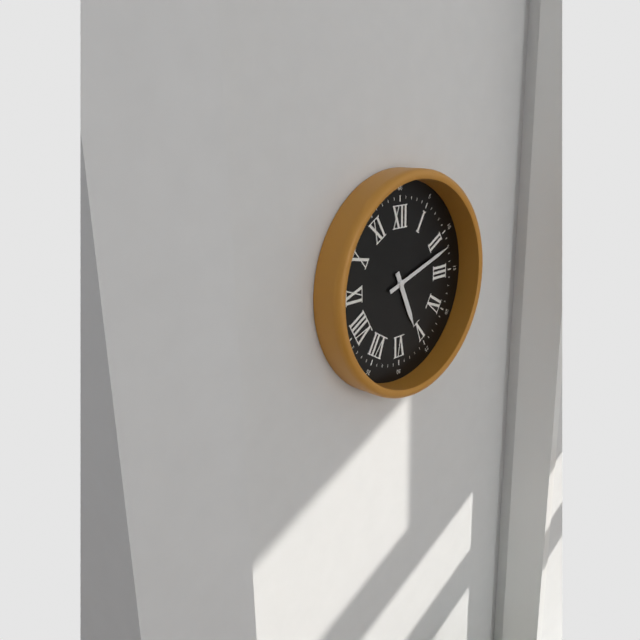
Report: 5:12
